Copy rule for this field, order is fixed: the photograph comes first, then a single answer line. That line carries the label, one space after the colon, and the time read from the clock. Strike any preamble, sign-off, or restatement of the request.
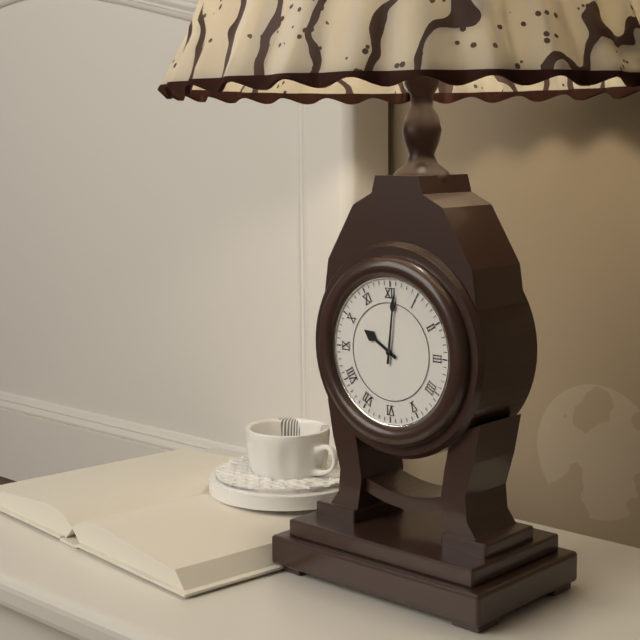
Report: 10:01
